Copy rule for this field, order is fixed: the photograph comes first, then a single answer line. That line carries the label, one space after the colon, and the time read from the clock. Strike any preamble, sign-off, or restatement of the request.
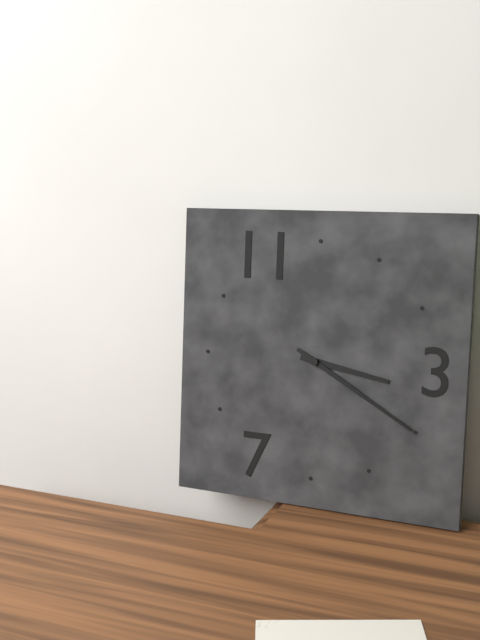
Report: 3:20
